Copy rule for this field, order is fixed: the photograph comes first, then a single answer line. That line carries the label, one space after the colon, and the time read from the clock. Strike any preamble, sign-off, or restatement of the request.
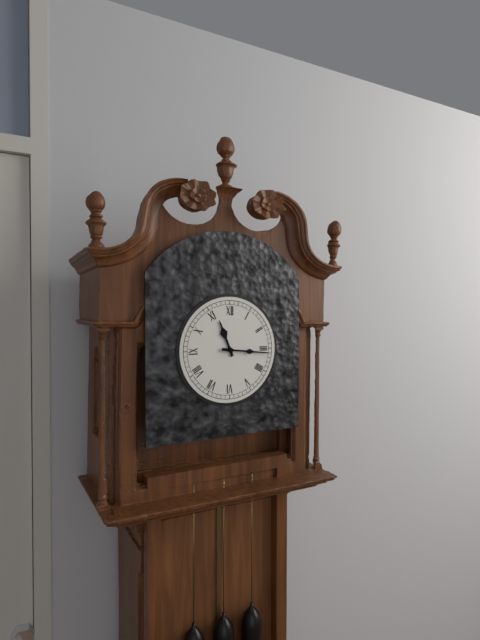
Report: 11:16
